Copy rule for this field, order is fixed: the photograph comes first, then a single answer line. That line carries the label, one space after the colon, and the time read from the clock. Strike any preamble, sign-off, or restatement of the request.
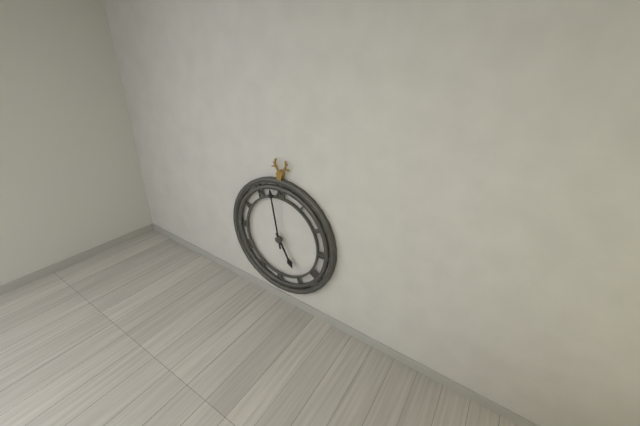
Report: 4:58
